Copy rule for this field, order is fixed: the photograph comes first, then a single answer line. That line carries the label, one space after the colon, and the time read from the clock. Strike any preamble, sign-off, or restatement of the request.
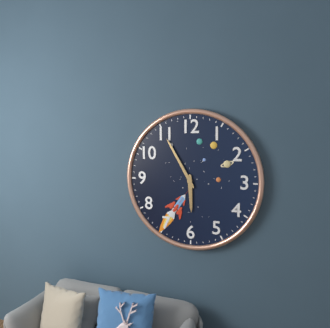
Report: 5:55
